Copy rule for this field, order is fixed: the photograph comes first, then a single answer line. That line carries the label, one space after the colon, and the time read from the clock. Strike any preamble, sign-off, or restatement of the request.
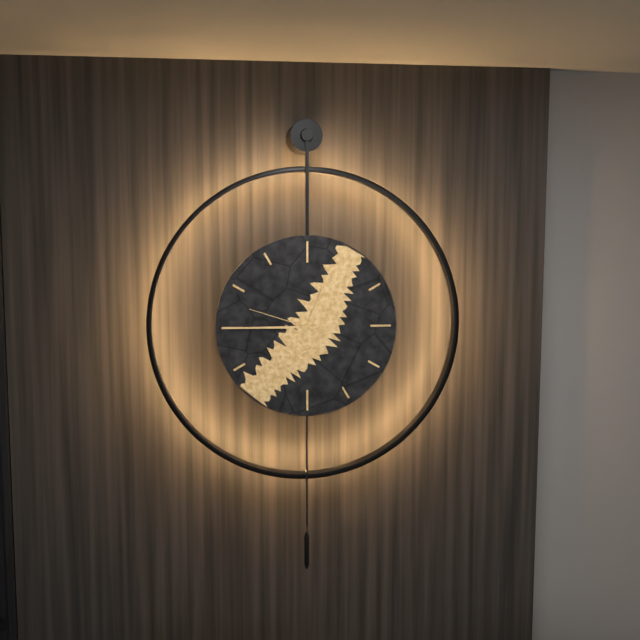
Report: 12:45:48
